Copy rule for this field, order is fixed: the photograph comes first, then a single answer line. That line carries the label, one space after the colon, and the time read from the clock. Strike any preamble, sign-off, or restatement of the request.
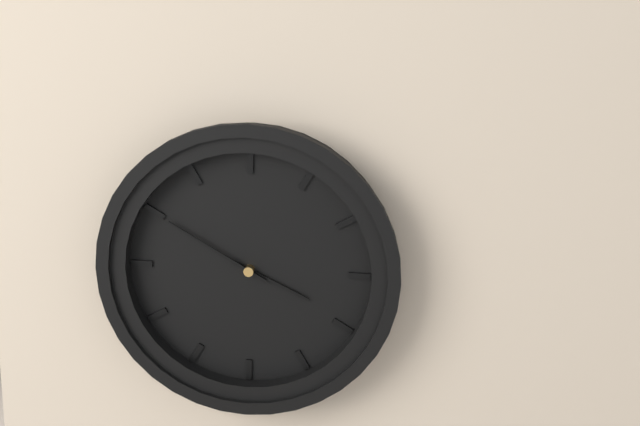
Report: 3:50
